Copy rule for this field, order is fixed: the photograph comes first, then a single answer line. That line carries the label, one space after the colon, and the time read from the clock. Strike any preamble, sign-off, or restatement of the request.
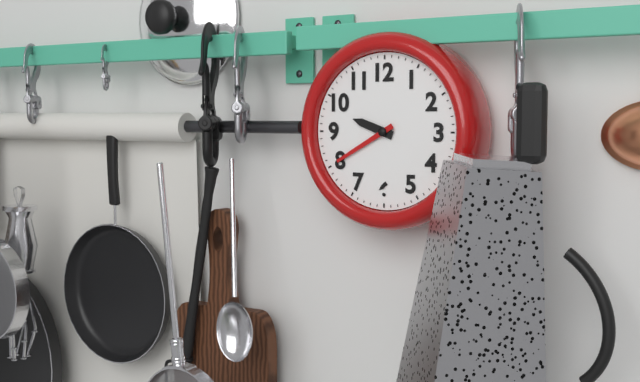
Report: 9:40
